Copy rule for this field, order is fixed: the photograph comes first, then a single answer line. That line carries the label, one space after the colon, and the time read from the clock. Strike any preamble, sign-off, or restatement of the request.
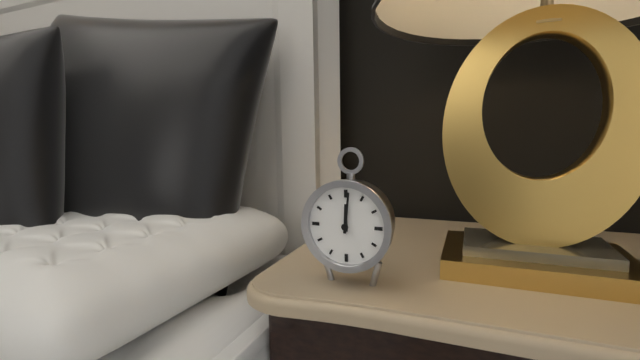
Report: 12:01
